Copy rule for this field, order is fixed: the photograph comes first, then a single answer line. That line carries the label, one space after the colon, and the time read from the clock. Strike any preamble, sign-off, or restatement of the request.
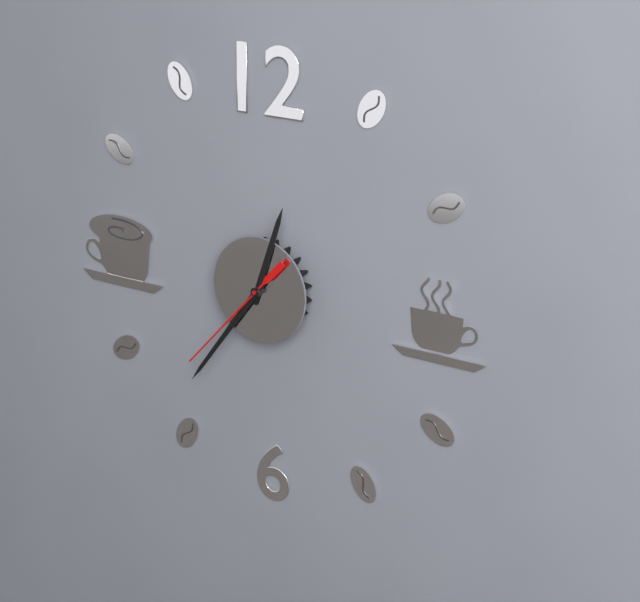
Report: 12:36:37
